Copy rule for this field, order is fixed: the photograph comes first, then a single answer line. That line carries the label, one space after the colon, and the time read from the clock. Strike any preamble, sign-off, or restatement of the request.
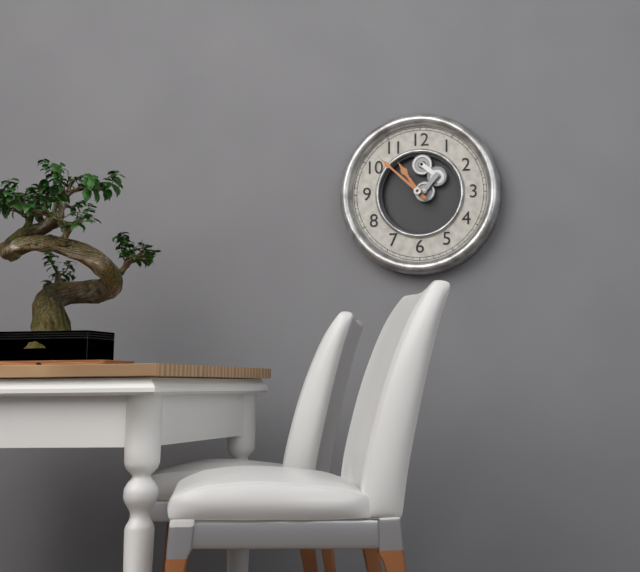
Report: 10:52
